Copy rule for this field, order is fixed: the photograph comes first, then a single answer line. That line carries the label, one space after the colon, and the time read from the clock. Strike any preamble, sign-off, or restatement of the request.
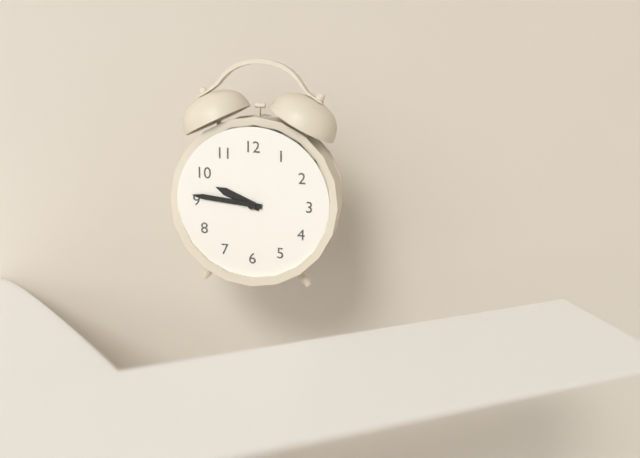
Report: 9:46
